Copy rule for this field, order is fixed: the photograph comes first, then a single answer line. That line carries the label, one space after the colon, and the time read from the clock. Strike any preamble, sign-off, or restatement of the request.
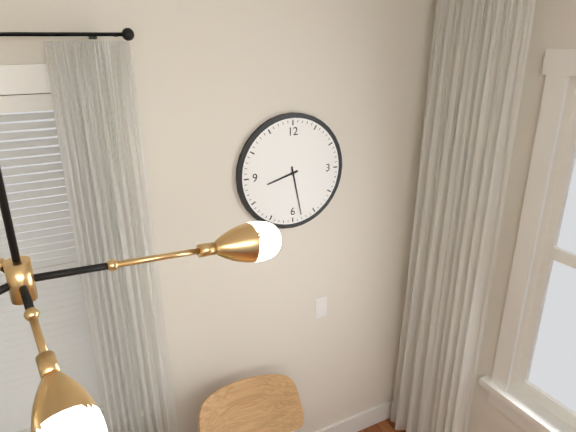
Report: 8:28
